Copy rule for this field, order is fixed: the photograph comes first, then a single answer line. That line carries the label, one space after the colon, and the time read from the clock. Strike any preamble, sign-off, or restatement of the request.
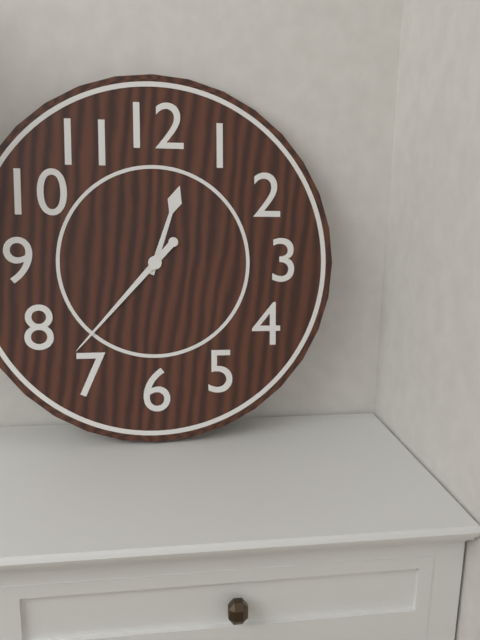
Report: 12:37
